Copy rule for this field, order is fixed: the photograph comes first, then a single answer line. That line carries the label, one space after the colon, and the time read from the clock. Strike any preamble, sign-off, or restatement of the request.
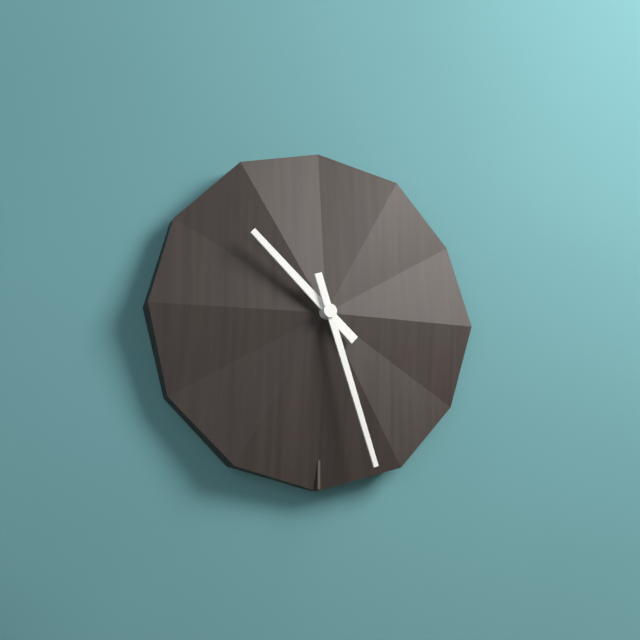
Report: 10:27
